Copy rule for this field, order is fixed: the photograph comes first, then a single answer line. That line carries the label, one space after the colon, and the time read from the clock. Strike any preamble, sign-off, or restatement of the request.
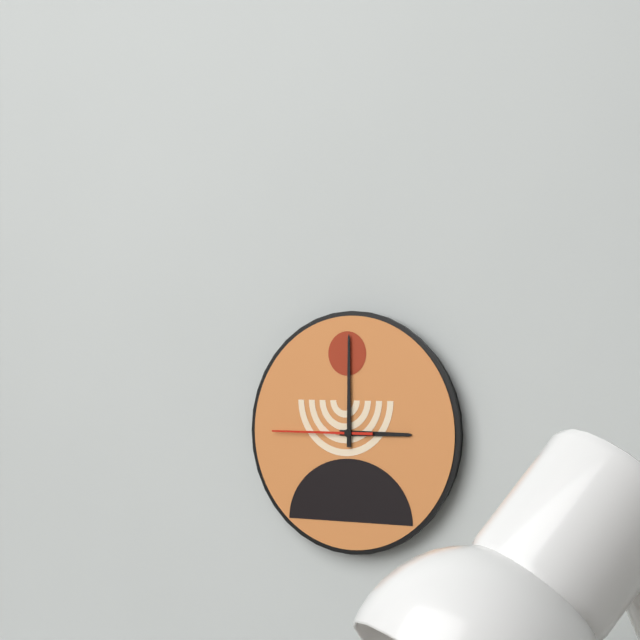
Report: 3:00:45
